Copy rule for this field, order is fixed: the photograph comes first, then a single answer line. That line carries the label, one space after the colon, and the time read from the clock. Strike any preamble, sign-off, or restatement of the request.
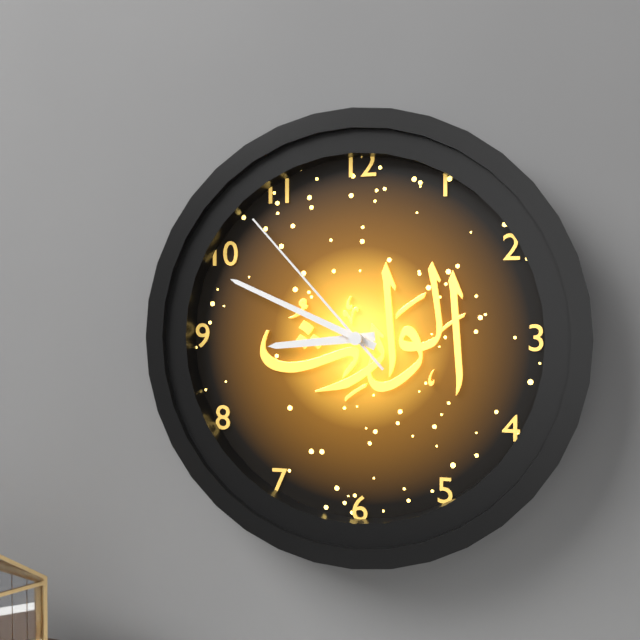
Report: 8:49:53
